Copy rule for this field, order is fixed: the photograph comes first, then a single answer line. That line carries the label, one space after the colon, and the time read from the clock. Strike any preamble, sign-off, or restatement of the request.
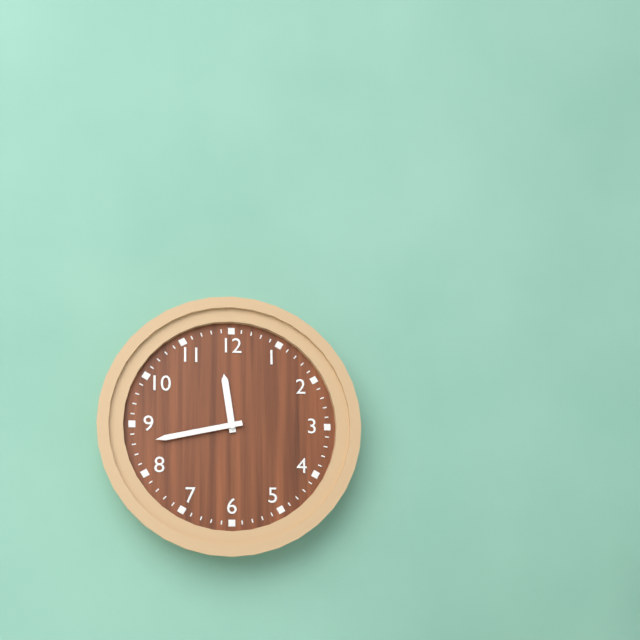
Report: 11:43
